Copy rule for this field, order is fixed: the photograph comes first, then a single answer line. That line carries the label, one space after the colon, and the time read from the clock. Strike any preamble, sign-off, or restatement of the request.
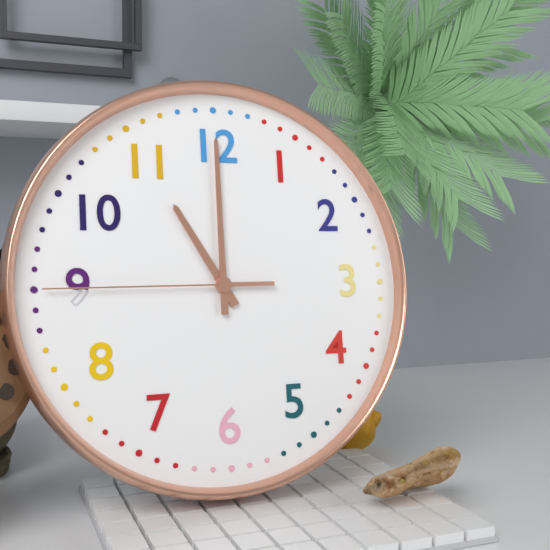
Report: 11:00:45
